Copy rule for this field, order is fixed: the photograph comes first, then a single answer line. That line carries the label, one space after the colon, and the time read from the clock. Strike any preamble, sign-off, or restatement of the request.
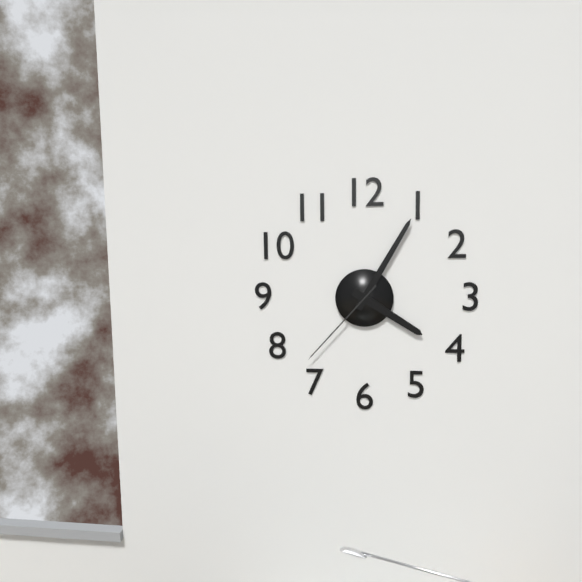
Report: 4:05:37
